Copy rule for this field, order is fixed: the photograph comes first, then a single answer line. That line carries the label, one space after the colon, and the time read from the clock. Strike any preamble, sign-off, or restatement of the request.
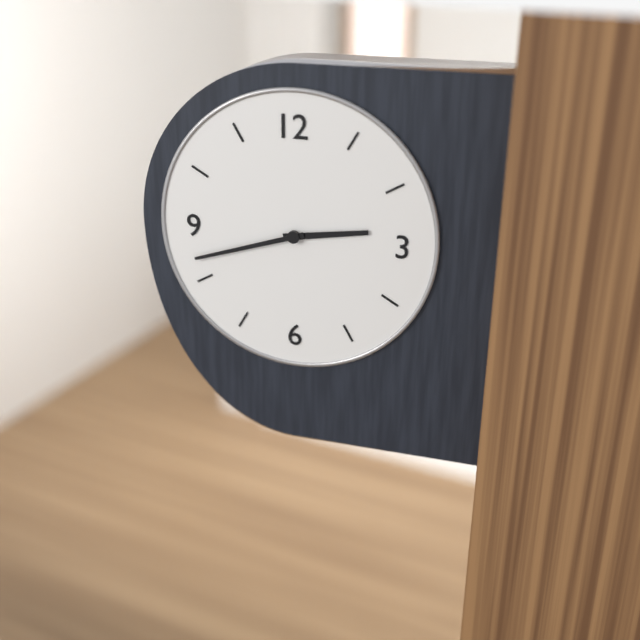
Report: 2:42
